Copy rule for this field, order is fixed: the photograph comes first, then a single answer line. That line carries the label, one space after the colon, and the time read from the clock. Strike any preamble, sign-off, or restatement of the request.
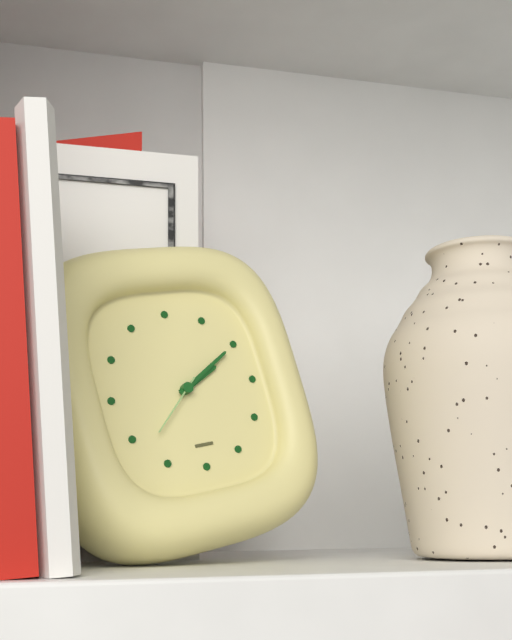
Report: 2:10:38
